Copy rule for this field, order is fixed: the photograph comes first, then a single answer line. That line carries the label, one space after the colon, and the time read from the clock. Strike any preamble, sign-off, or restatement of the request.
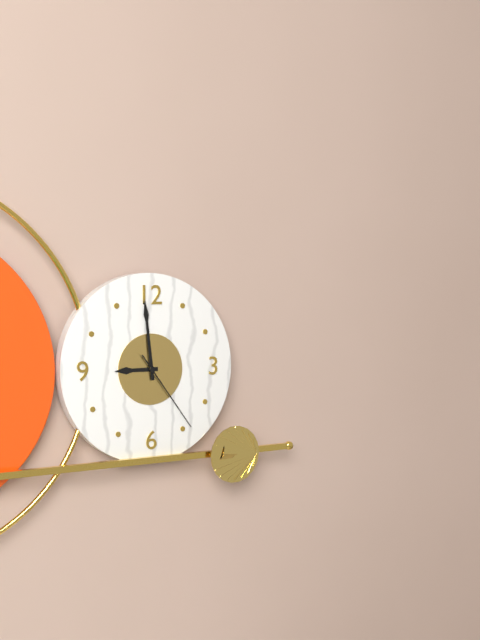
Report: 8:59:24
